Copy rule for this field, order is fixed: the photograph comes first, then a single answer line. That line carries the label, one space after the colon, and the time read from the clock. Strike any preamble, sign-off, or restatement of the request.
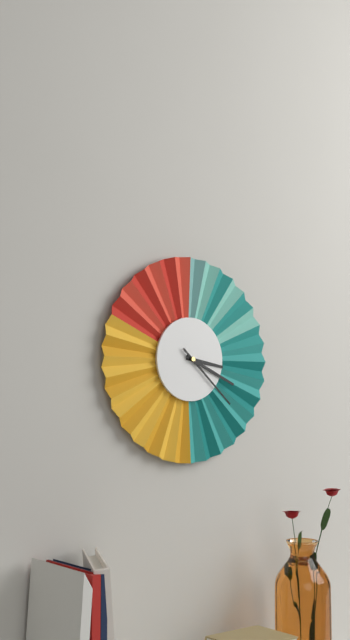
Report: 3:19:22
